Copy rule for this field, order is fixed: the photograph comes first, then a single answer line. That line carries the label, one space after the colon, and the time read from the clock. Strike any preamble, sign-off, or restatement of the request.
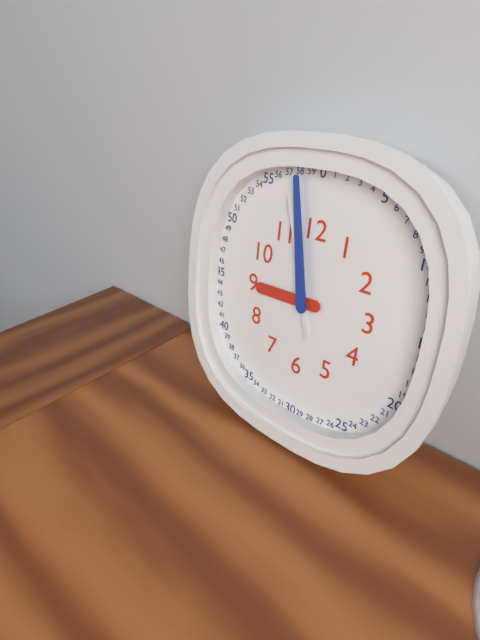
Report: 8:58:57
